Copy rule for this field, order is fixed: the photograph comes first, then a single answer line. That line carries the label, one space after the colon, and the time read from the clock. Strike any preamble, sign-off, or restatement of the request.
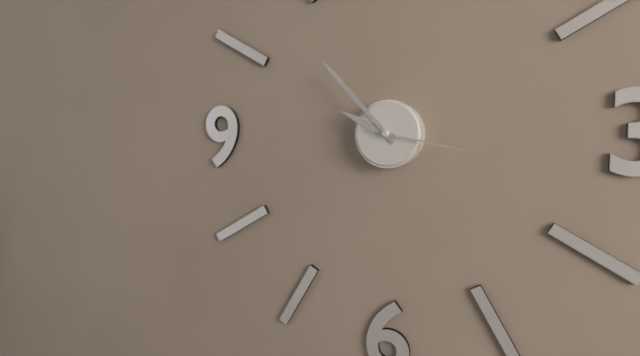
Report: 9:53:17
